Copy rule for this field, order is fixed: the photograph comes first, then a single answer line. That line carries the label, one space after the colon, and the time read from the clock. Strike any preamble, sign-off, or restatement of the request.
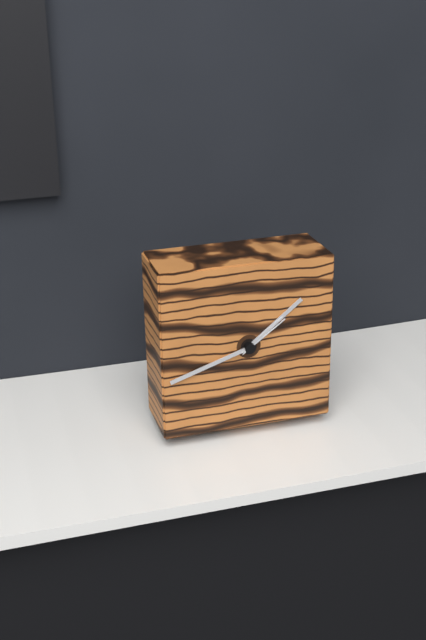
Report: 1:42:09
